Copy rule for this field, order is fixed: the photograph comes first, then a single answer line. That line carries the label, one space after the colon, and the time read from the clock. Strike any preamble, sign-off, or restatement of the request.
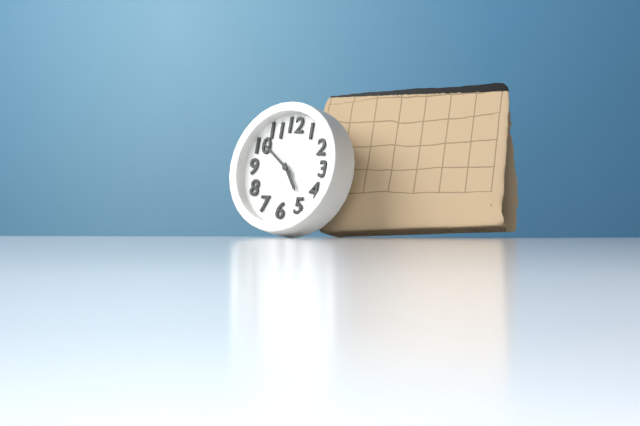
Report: 4:51
